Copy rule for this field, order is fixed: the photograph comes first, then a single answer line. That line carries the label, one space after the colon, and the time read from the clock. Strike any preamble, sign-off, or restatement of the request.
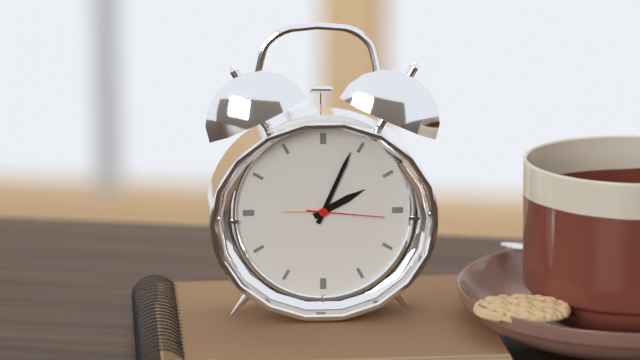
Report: 2:04:16
